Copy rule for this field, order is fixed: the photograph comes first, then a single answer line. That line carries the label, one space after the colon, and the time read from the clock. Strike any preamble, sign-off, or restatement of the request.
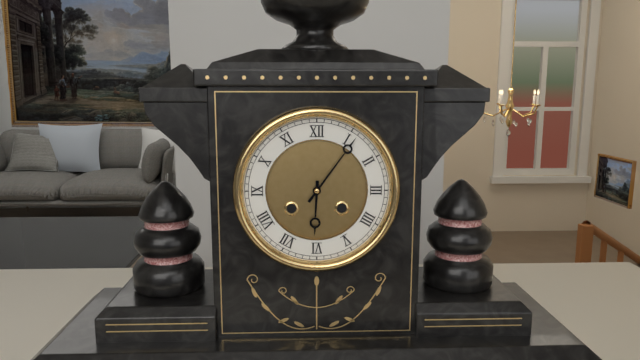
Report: 6:06
